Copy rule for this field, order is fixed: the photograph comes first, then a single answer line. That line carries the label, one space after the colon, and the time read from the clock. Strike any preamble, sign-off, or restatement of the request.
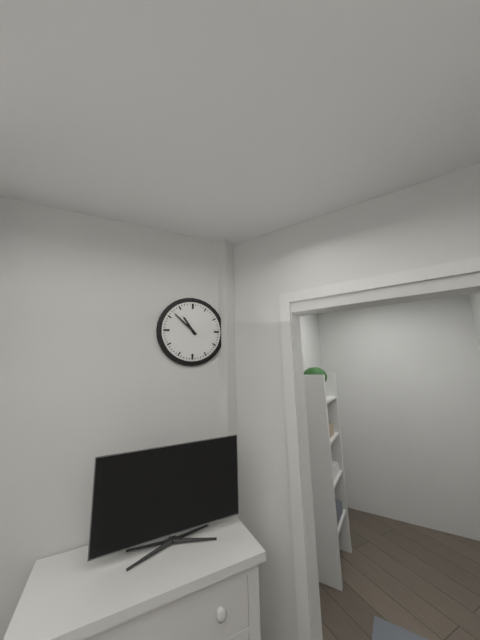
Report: 10:52
